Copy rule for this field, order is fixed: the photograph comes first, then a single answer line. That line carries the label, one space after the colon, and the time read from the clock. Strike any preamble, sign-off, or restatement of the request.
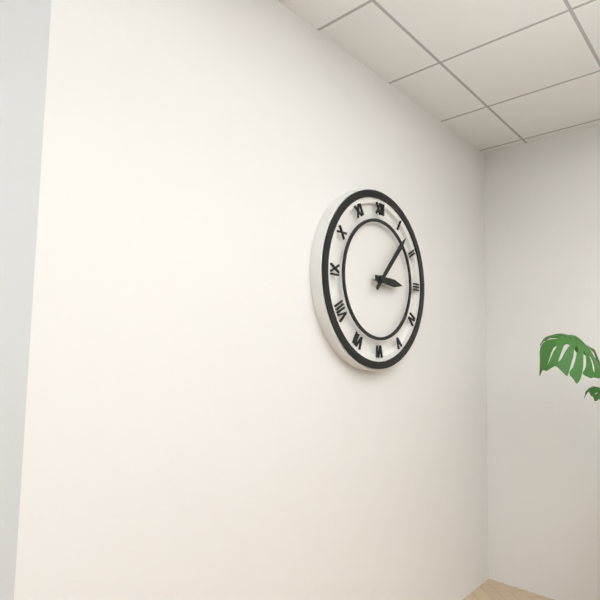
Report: 3:07
